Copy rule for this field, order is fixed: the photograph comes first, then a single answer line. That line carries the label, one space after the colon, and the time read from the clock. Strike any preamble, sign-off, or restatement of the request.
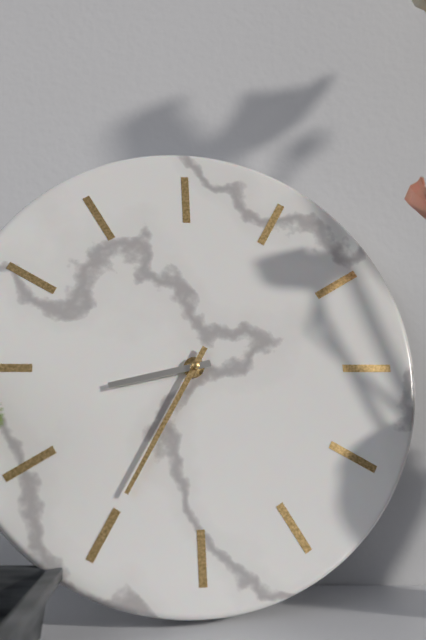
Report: 8:35
